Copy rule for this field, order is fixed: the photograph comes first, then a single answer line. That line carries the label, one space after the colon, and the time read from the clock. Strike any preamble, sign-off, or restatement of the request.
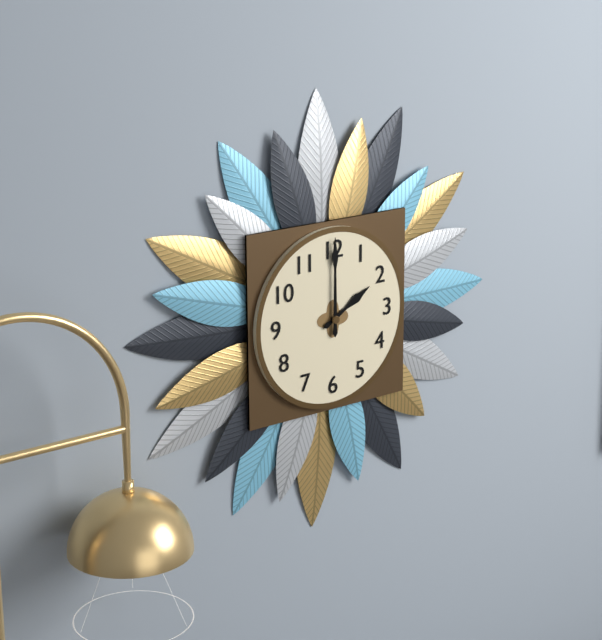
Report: 2:00
